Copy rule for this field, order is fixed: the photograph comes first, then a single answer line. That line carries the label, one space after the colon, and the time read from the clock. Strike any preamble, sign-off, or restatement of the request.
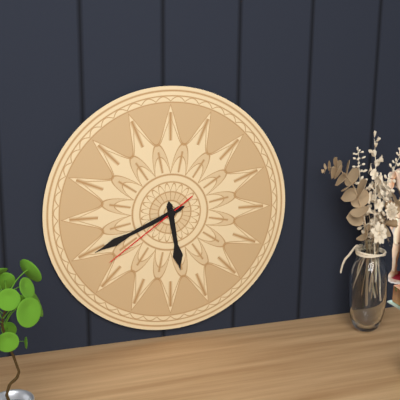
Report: 5:41:39
